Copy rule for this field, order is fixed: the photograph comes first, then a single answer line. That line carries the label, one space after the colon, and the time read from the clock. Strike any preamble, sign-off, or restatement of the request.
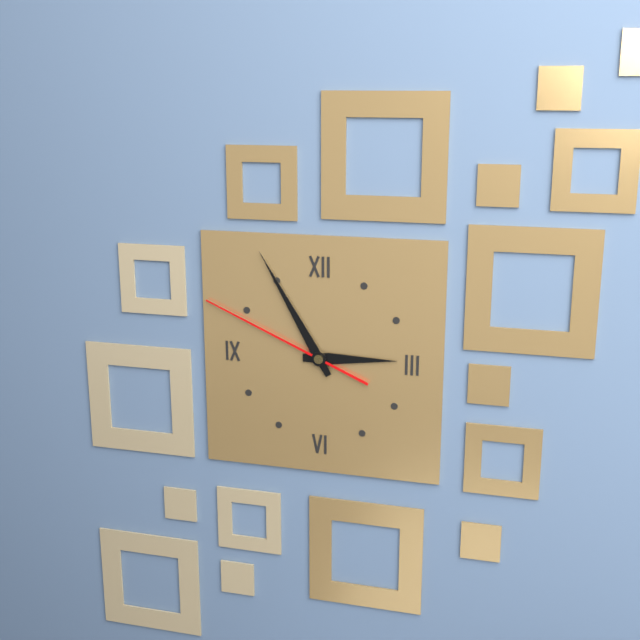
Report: 2:55:49
